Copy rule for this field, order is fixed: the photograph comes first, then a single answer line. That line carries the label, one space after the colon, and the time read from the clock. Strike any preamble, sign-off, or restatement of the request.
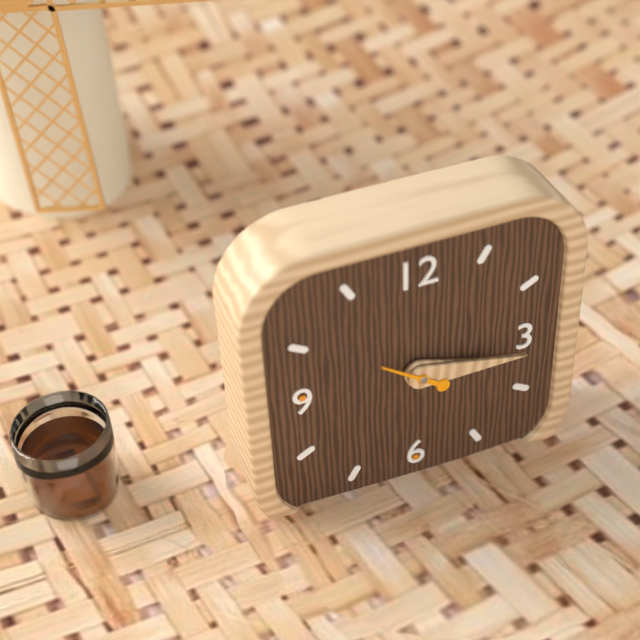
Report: 3:16
